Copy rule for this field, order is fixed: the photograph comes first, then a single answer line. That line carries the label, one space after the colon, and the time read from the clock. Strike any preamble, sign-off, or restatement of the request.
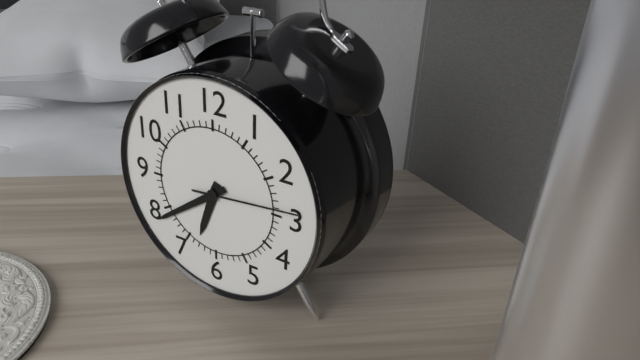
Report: 6:39:14
